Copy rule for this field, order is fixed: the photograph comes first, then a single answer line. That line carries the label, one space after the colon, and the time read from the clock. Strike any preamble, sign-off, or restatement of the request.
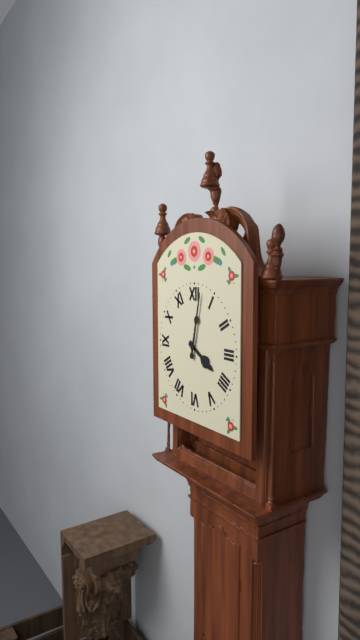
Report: 4:02
